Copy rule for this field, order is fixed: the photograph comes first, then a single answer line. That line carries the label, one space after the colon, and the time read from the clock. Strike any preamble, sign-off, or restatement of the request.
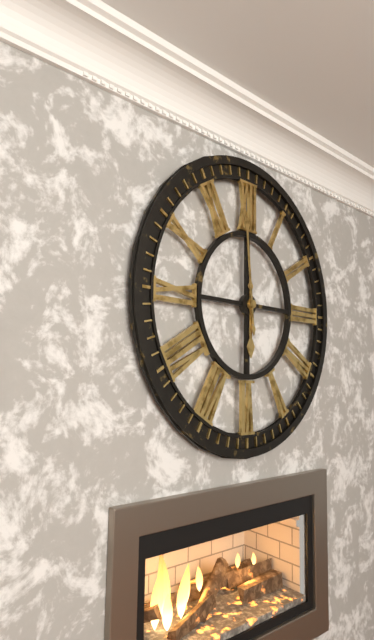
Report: 5:59
